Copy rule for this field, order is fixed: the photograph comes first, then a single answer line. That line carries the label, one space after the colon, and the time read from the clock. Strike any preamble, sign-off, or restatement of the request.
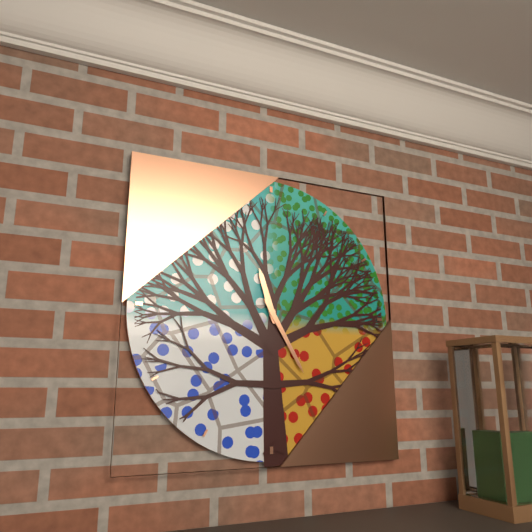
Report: 11:25
